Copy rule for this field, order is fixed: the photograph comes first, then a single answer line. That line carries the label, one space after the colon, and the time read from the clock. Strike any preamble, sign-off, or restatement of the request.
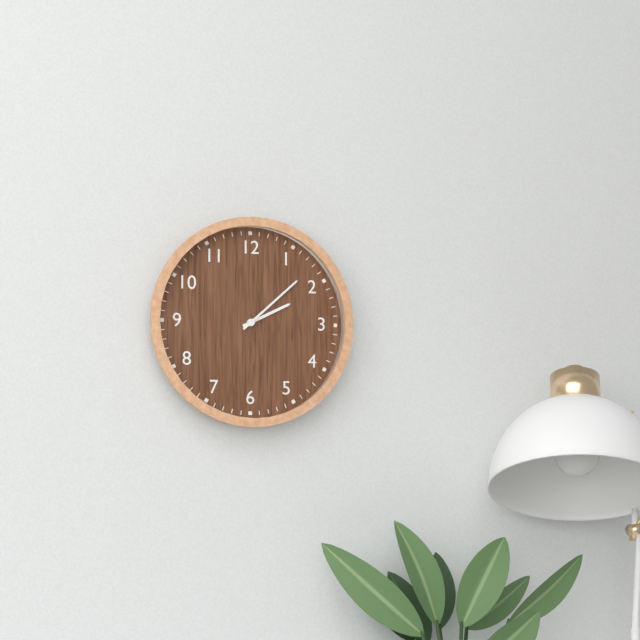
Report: 2:08
